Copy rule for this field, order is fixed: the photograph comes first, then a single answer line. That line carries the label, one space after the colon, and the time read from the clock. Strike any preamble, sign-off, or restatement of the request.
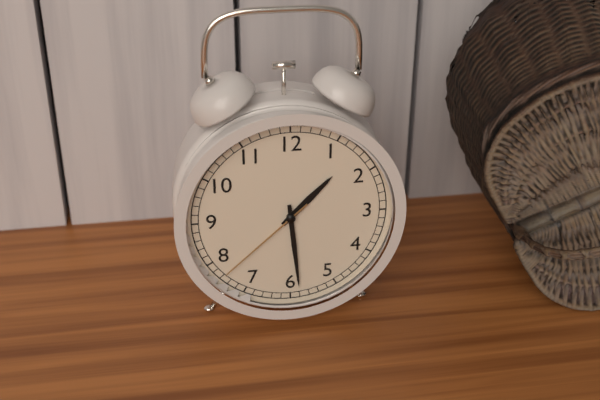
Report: 1:29:38
